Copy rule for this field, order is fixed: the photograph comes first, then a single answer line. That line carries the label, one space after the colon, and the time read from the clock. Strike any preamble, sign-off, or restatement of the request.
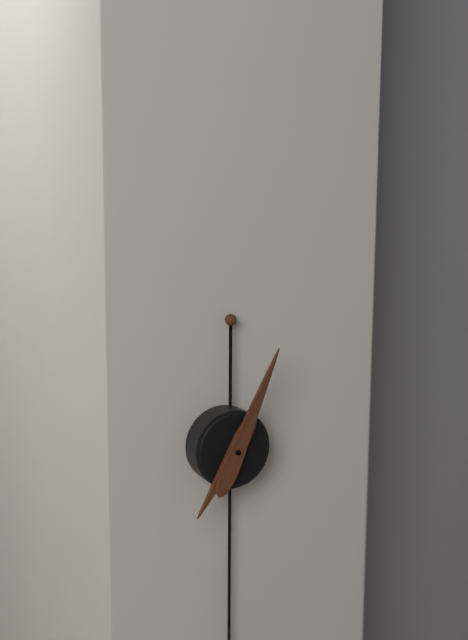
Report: 7:04
